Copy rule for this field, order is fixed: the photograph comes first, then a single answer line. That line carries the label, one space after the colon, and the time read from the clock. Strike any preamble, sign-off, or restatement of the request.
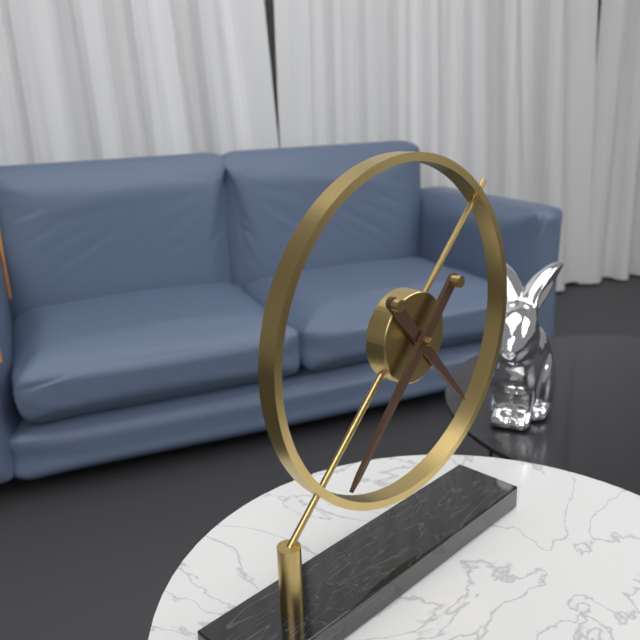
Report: 4:37
